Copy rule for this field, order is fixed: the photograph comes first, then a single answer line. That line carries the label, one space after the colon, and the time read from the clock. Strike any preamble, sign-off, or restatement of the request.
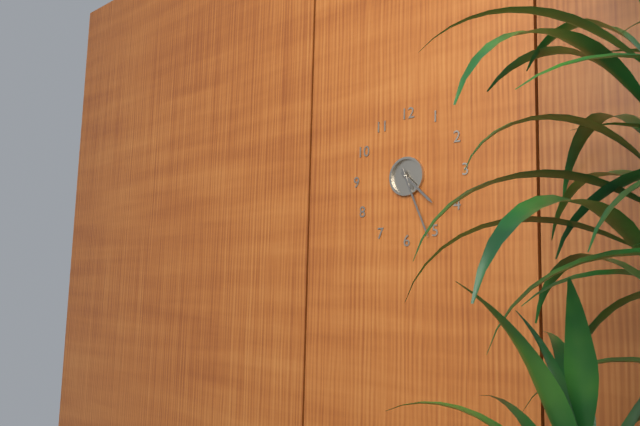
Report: 4:26
